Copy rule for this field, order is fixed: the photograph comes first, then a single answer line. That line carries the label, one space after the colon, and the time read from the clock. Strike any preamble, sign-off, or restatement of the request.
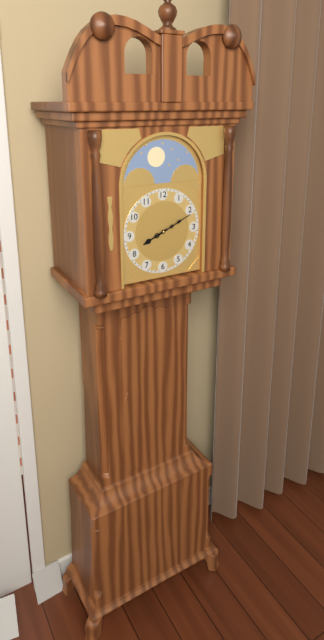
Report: 8:11
